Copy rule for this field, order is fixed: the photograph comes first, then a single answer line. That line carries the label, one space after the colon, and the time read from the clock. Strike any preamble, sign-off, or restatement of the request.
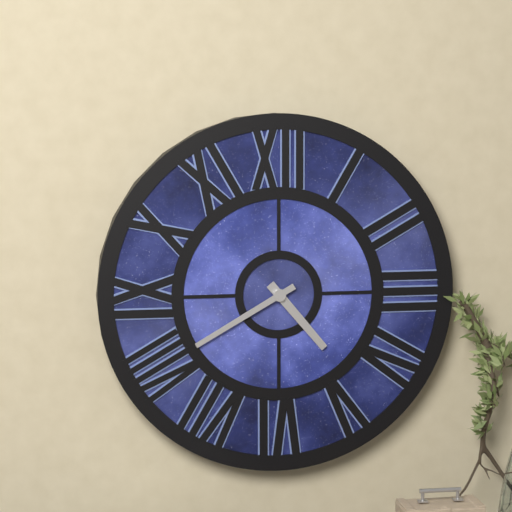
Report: 4:40
